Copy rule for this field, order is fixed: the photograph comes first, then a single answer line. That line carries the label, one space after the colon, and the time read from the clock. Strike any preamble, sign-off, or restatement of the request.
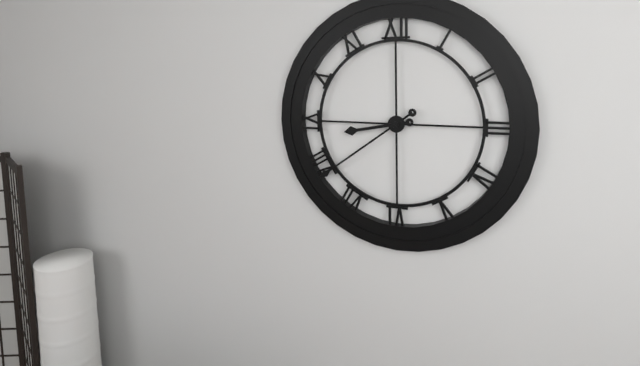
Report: 8:39
